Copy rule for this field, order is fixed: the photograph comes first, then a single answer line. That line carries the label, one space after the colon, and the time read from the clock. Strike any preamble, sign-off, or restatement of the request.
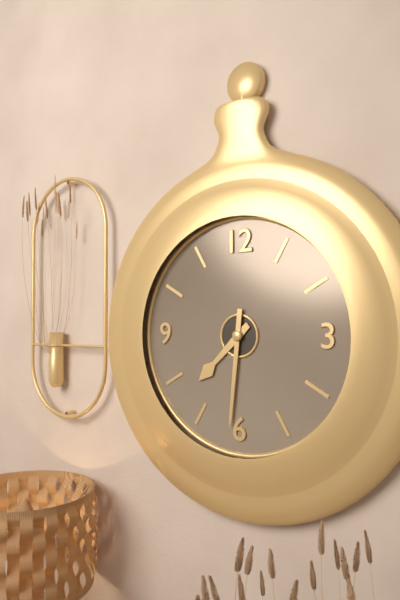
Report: 7:31
